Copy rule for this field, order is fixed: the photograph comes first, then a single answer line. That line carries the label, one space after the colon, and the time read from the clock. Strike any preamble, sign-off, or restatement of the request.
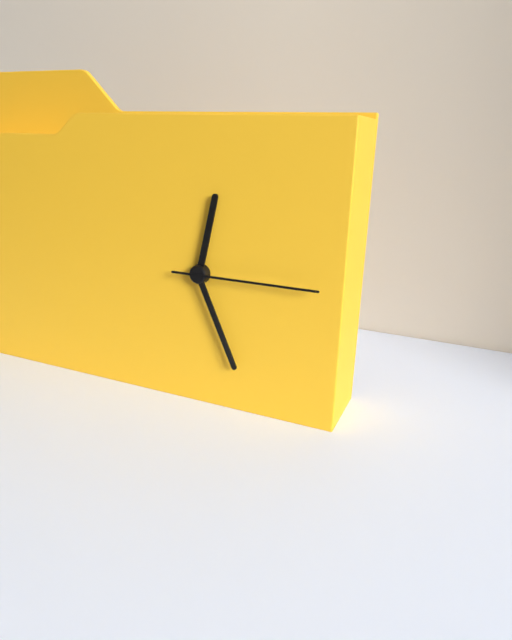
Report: 12:26:15
